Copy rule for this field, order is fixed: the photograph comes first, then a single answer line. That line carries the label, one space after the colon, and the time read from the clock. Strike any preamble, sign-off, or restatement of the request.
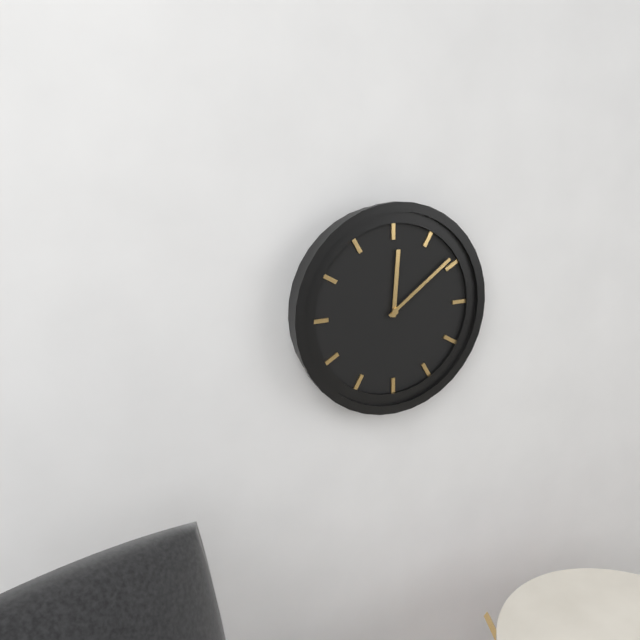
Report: 12:09
